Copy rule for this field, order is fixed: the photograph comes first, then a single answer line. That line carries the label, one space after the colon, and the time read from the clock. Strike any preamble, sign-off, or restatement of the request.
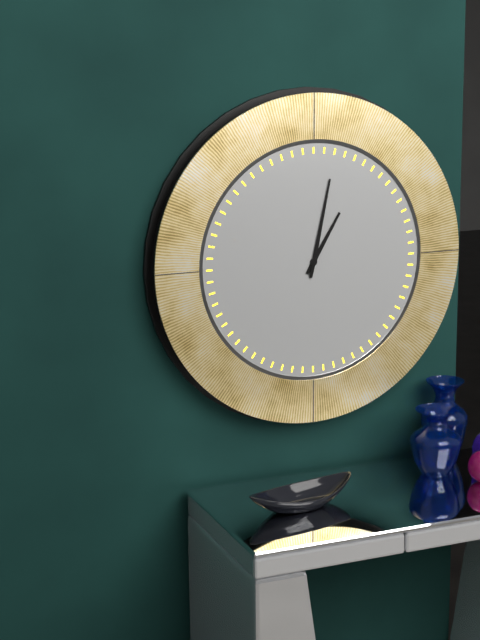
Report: 1:02
